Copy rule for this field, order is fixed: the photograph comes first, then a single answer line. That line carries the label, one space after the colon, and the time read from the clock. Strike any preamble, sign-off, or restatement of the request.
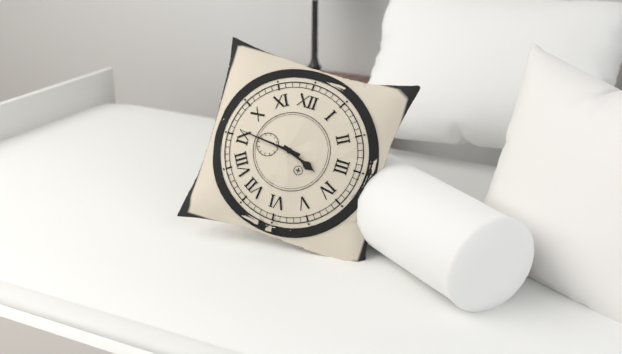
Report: 3:46
